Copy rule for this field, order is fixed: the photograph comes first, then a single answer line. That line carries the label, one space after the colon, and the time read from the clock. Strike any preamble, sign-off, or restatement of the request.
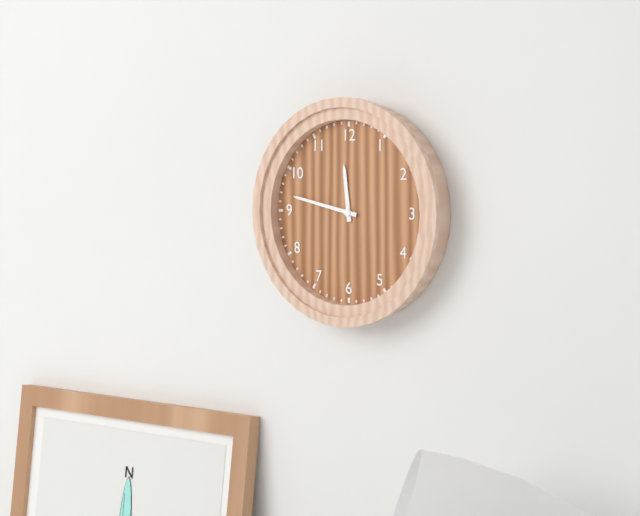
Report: 11:47
